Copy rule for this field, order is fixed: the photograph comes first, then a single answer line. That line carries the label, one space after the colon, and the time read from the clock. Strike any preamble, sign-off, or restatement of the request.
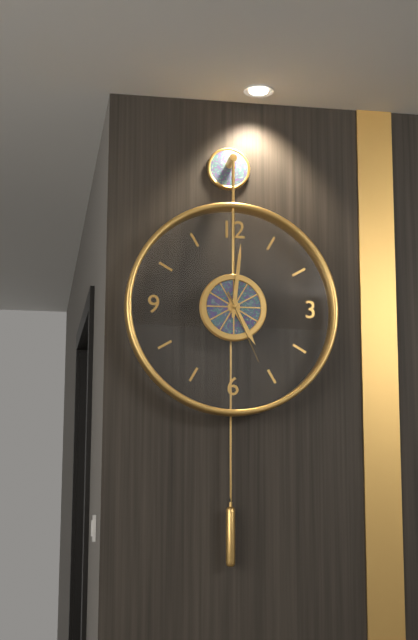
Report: 5:01:26
